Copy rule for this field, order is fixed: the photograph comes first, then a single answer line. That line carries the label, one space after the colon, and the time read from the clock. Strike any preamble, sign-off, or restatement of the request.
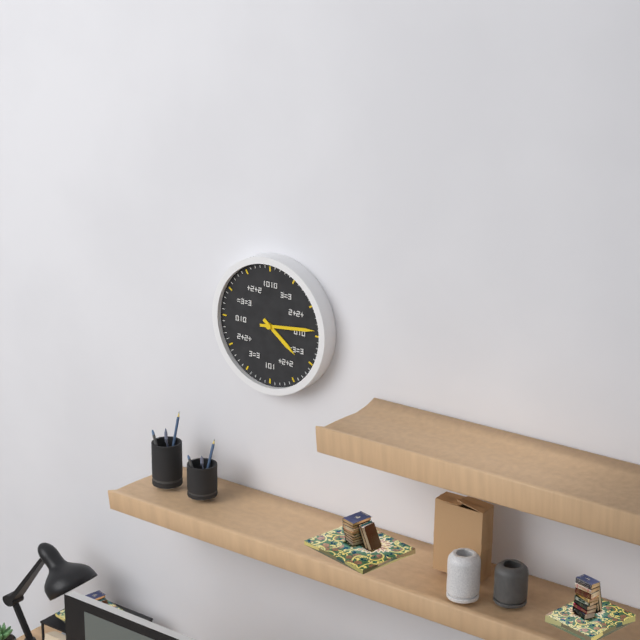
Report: 4:14
